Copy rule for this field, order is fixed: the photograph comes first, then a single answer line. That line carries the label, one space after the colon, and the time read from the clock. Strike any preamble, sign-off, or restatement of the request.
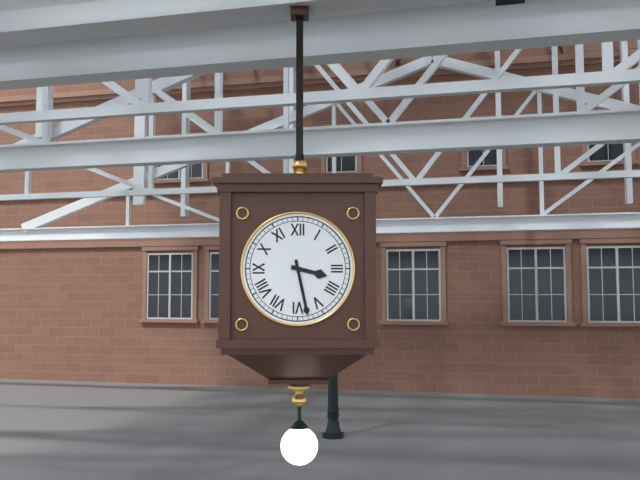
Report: 3:28
